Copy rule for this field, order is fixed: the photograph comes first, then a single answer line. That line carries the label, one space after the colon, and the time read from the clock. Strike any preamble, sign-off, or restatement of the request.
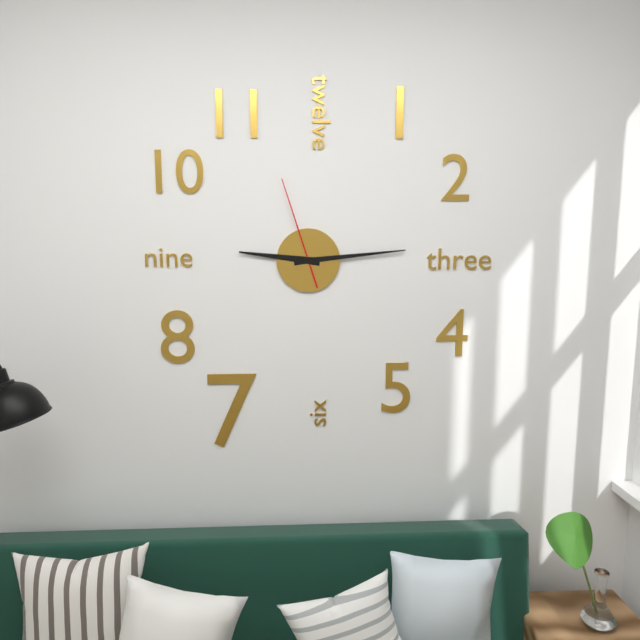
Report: 9:14:57
